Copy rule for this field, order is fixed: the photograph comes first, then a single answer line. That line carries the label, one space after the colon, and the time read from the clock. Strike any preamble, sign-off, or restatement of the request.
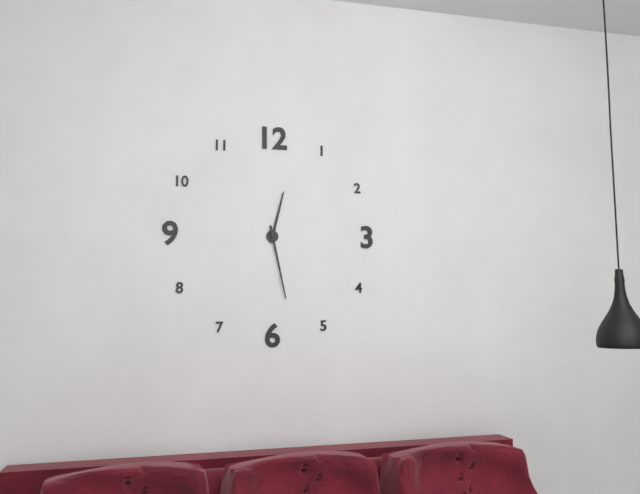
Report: 12:28
